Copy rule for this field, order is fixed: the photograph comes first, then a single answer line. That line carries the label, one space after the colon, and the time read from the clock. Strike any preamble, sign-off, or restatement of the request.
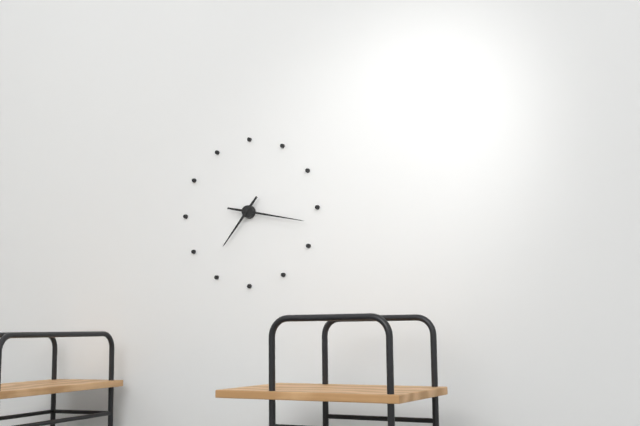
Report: 7:17
